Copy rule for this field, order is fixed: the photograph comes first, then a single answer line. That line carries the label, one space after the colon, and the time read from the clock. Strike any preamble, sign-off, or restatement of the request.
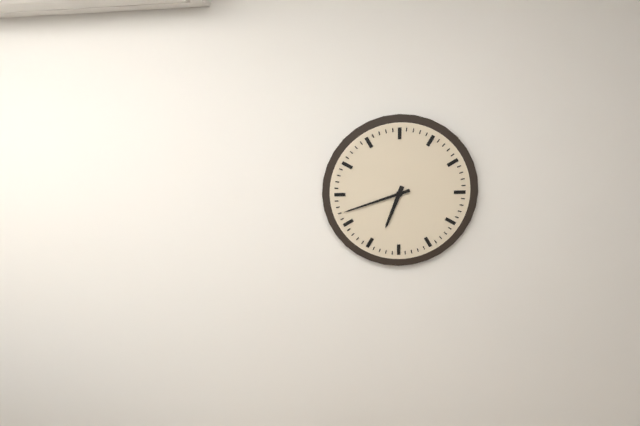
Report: 6:42
